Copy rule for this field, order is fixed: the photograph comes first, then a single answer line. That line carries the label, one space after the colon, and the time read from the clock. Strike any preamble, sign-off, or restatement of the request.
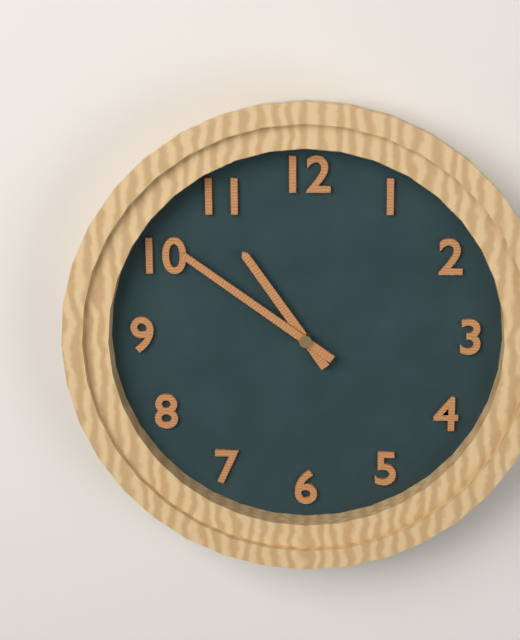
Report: 10:51
